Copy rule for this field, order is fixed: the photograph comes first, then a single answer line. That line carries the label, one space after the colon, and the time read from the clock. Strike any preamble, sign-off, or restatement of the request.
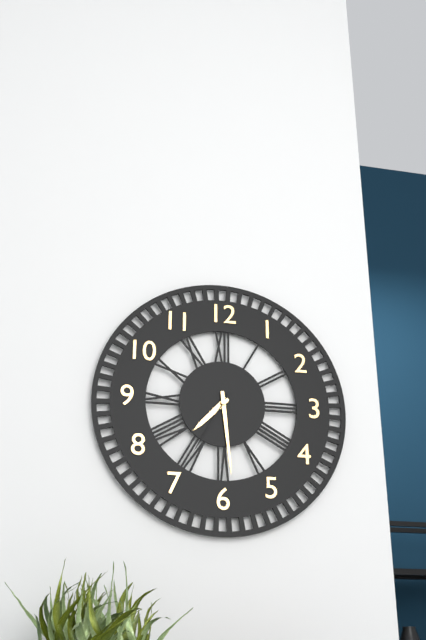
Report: 7:29:35
